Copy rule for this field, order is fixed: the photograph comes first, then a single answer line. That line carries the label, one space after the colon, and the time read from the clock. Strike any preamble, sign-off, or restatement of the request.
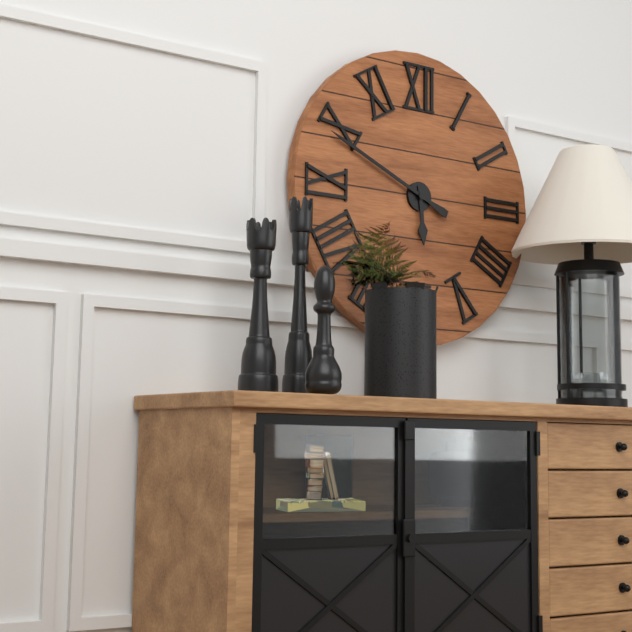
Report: 5:49
